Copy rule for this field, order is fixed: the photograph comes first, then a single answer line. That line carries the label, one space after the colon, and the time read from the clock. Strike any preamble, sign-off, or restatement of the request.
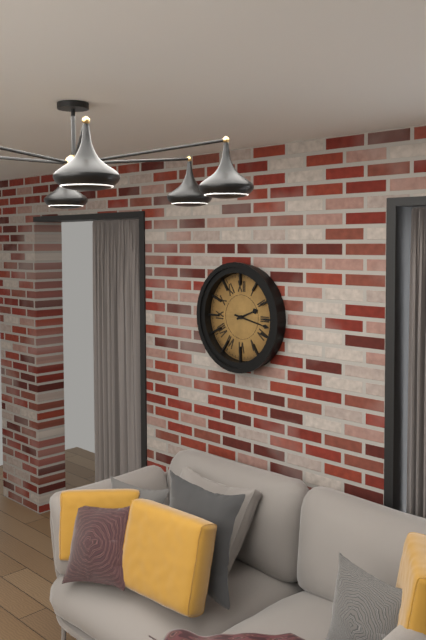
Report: 2:17
